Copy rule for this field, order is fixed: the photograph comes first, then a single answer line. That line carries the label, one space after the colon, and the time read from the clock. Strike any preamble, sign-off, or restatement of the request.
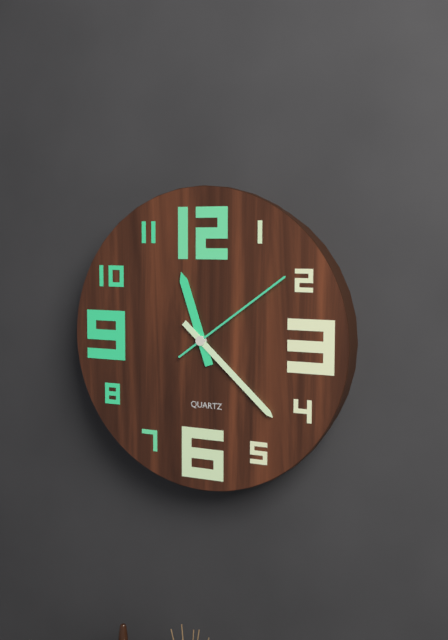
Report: 11:22:09
